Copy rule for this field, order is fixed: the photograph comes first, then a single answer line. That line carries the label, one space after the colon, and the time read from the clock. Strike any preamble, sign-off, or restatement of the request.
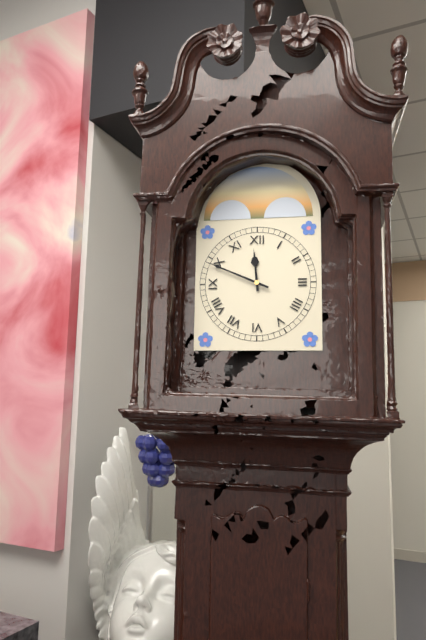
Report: 11:49
